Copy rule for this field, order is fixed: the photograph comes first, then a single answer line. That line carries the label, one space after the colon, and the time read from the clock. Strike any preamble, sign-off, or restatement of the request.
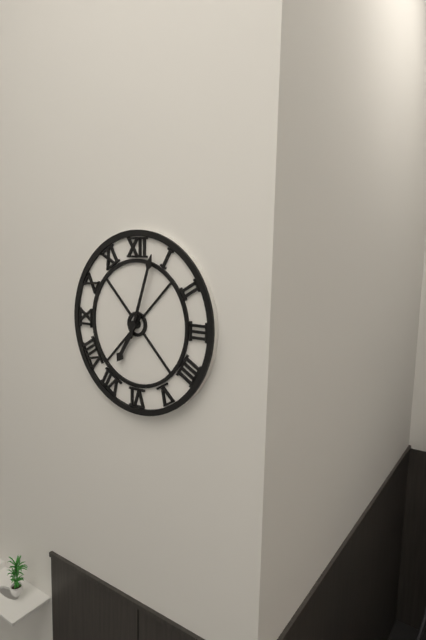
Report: 7:03
